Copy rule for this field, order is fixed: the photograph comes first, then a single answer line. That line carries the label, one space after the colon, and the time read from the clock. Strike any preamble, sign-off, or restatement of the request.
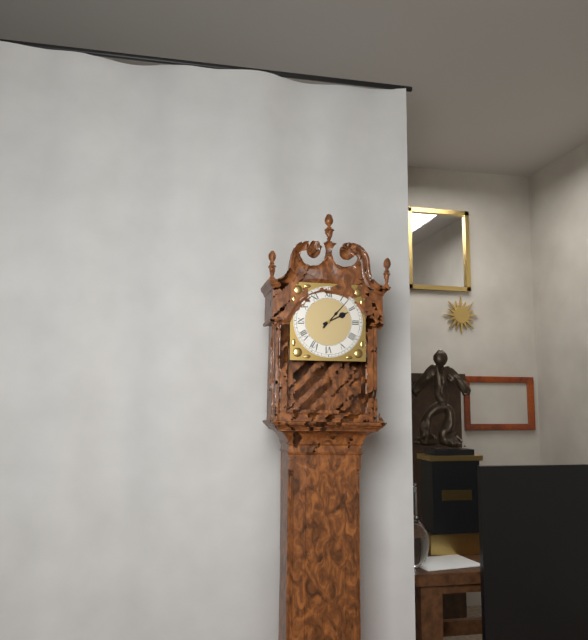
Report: 2:07
